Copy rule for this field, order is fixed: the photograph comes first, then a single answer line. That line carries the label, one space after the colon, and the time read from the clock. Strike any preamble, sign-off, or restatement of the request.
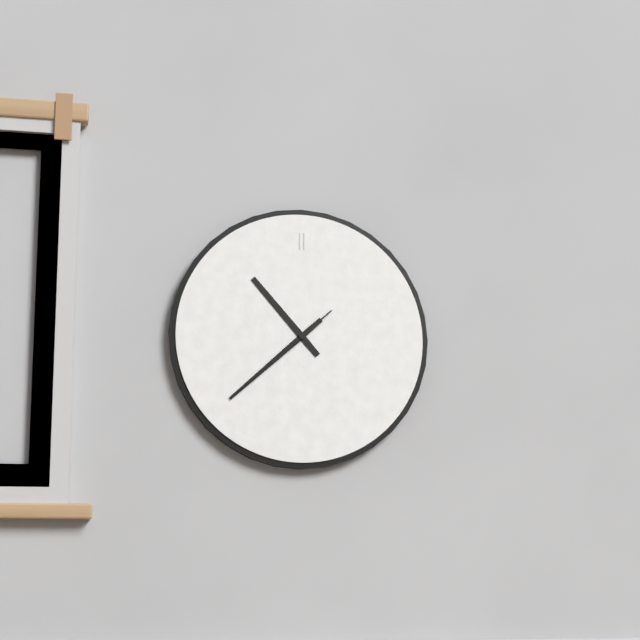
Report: 10:38:38
